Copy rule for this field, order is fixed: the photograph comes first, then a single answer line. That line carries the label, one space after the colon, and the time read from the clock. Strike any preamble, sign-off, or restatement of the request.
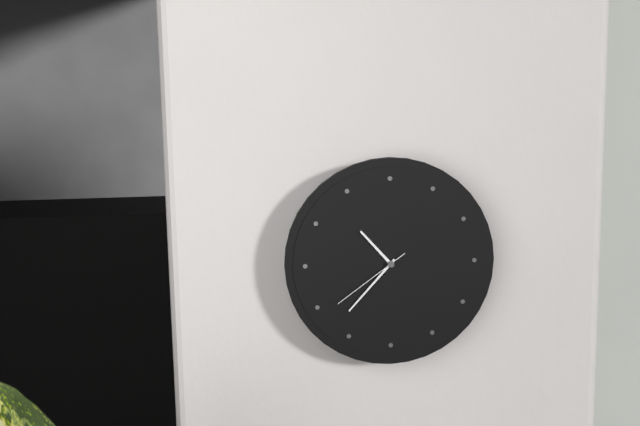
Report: 10:37:39
